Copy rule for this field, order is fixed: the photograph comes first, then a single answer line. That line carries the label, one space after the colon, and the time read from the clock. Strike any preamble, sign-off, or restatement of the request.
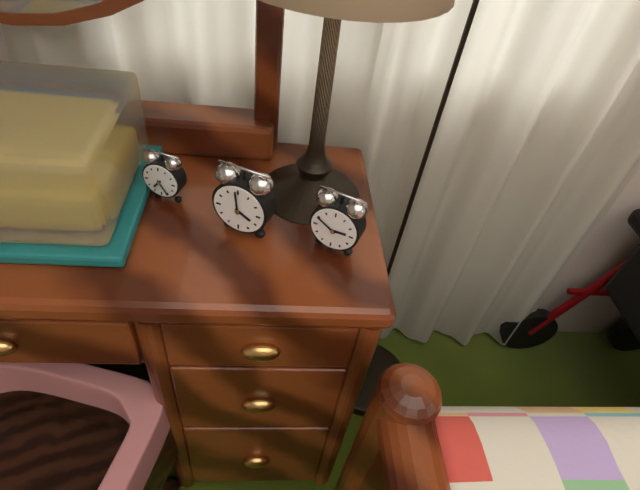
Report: 3:59
